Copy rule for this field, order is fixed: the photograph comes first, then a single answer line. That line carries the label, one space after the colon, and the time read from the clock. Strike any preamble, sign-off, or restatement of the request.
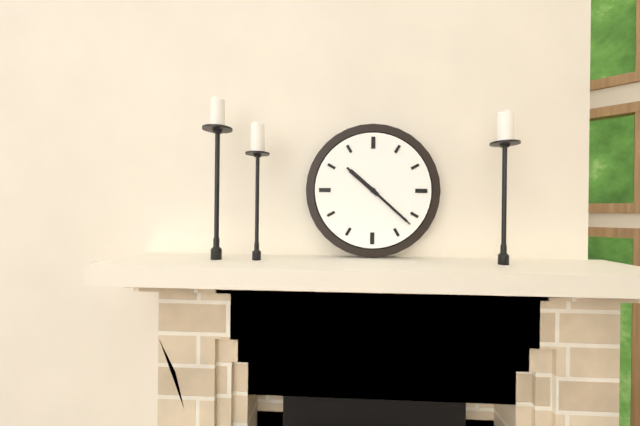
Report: 10:22
